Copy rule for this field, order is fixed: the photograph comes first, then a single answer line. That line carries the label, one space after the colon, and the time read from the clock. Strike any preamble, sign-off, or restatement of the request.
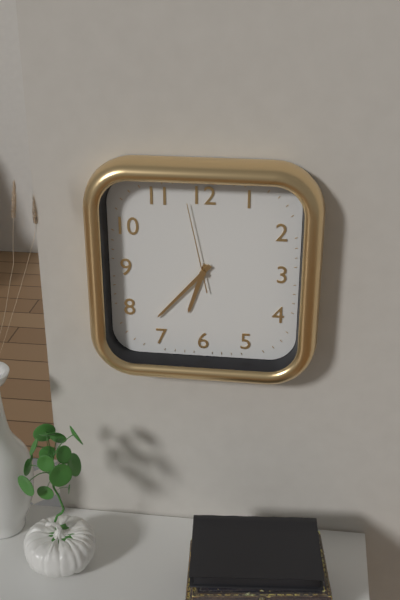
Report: 6:37:58
